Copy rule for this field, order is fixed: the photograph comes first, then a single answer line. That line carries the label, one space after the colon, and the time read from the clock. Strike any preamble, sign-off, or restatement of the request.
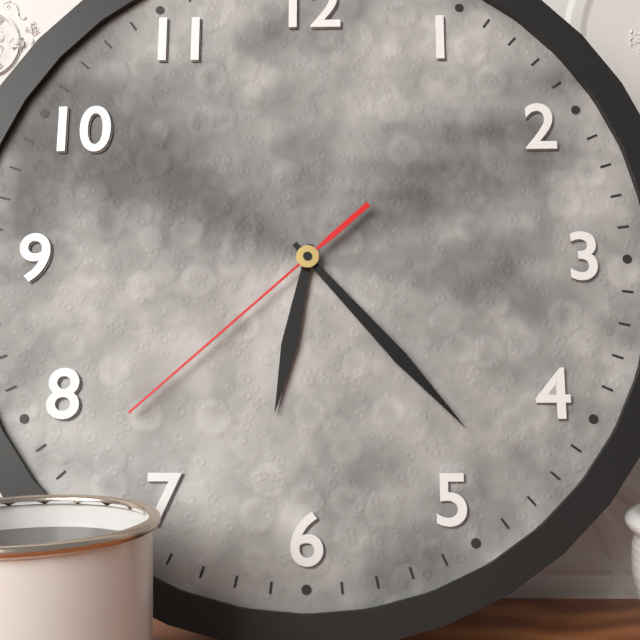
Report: 6:23:38
